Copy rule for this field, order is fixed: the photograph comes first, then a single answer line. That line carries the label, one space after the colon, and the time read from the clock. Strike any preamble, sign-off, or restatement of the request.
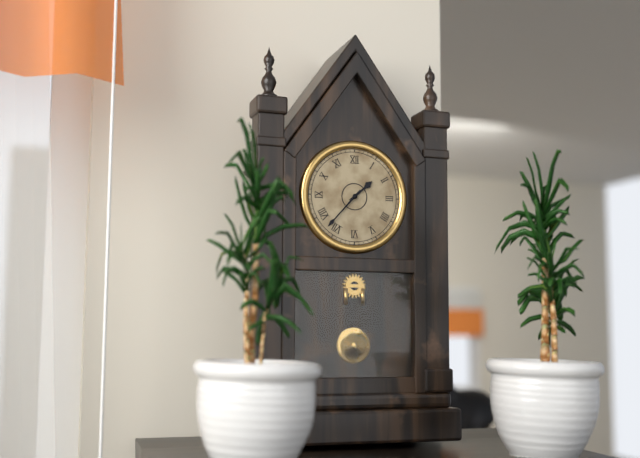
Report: 1:37
